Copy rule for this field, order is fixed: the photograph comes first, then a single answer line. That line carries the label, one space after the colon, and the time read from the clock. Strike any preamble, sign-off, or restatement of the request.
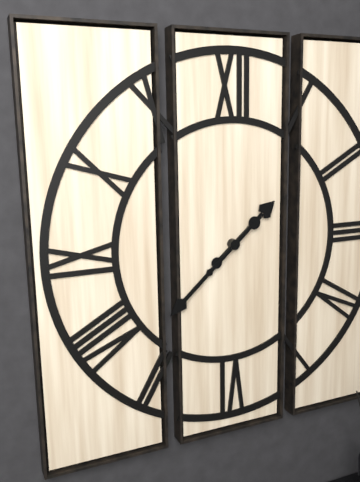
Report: 1:38
